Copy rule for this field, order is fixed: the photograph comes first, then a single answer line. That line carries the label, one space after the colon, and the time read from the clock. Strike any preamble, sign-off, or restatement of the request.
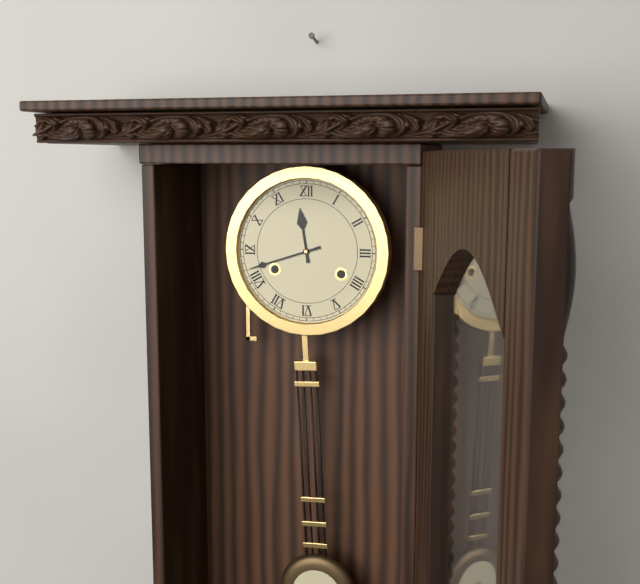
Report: 11:42
